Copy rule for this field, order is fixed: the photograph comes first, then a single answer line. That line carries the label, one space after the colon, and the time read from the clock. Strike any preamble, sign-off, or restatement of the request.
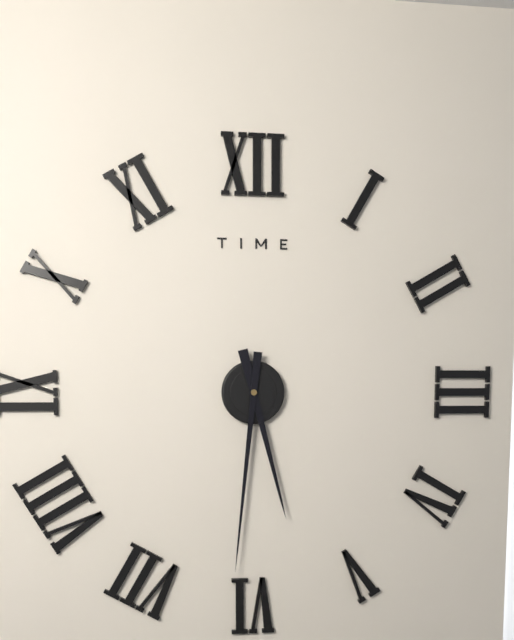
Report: 5:31
